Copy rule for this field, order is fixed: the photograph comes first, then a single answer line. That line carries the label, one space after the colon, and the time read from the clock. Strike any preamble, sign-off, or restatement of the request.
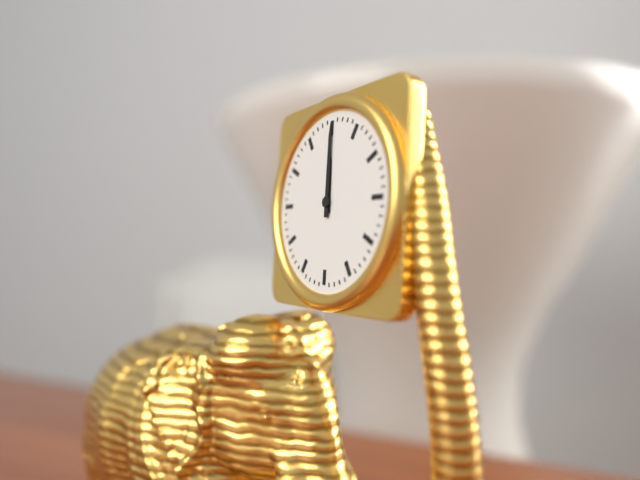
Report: 12:00
